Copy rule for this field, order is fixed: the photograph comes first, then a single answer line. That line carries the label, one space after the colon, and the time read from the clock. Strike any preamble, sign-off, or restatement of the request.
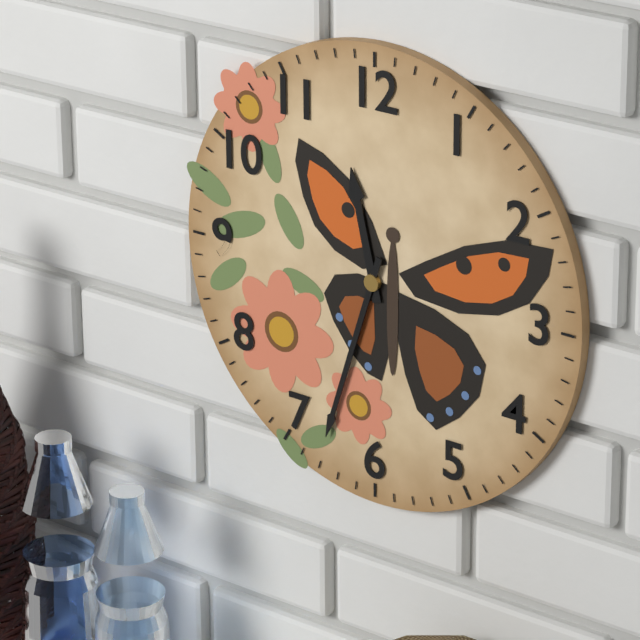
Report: 11:33
